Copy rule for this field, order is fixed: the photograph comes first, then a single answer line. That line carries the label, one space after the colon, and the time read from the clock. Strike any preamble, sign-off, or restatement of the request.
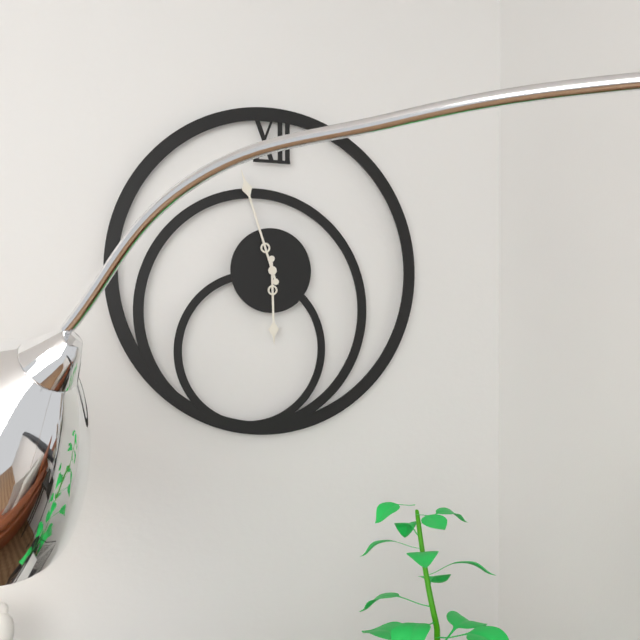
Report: 5:57
